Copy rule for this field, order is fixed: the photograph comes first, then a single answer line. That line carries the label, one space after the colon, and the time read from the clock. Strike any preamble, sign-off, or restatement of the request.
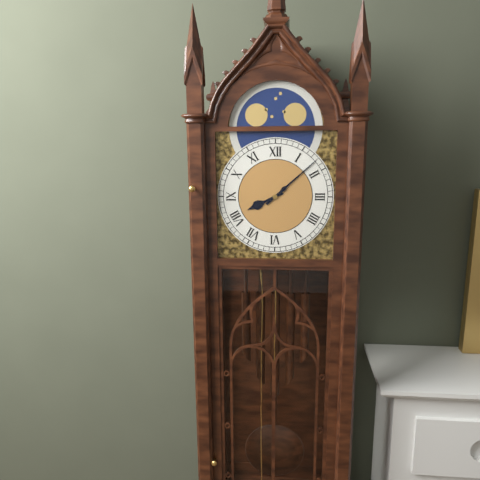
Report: 8:08
